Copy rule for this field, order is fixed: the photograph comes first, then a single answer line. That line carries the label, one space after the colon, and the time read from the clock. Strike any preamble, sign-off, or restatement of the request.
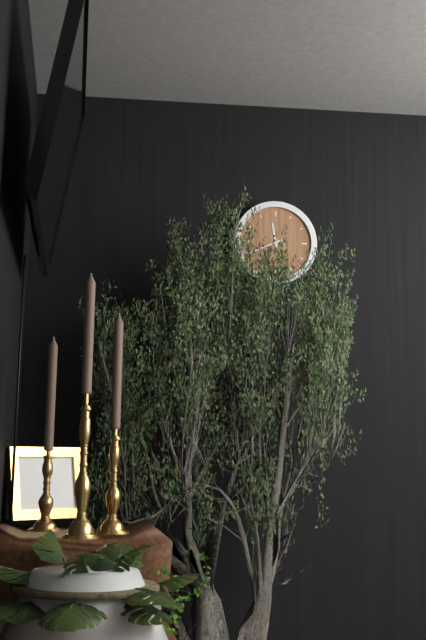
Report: 11:41
